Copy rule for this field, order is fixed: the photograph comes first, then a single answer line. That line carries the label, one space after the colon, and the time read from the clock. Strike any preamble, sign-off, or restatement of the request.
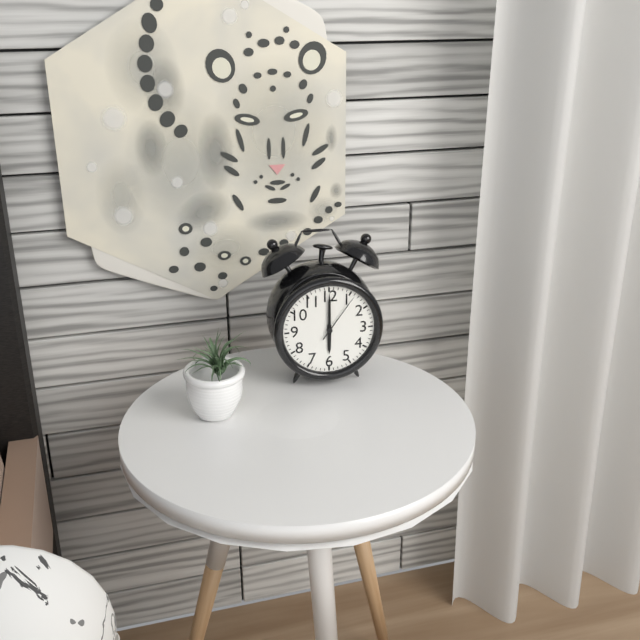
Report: 6:00:06
